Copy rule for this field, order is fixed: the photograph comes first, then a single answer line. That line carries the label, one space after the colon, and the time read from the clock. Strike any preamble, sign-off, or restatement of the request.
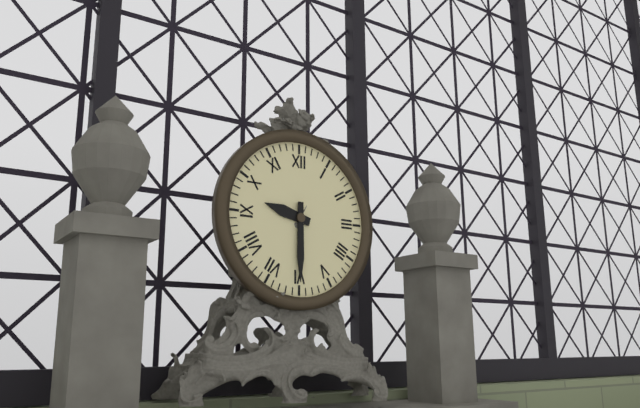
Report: 9:30
